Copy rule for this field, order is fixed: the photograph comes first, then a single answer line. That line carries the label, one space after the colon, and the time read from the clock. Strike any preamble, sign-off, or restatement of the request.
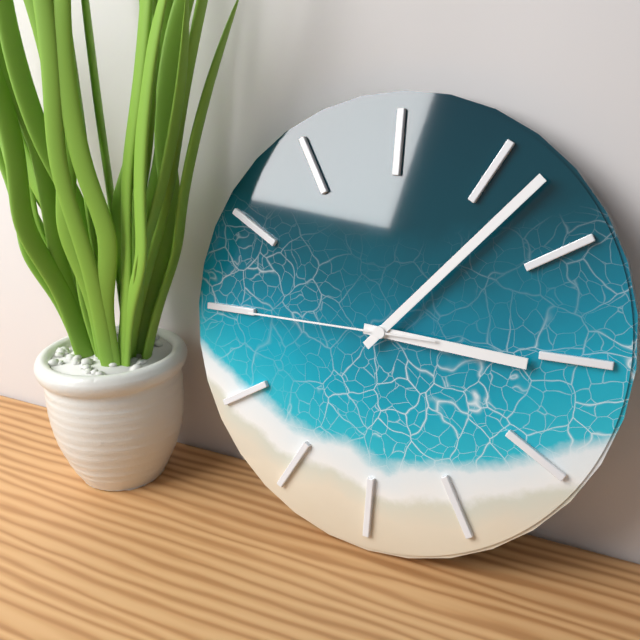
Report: 3:07:45
